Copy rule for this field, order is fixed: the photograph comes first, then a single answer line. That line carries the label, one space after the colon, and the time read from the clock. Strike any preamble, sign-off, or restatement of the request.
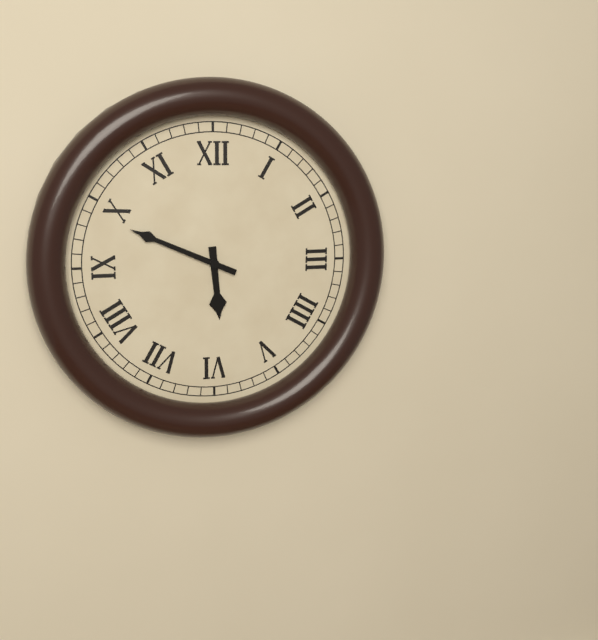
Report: 5:49
